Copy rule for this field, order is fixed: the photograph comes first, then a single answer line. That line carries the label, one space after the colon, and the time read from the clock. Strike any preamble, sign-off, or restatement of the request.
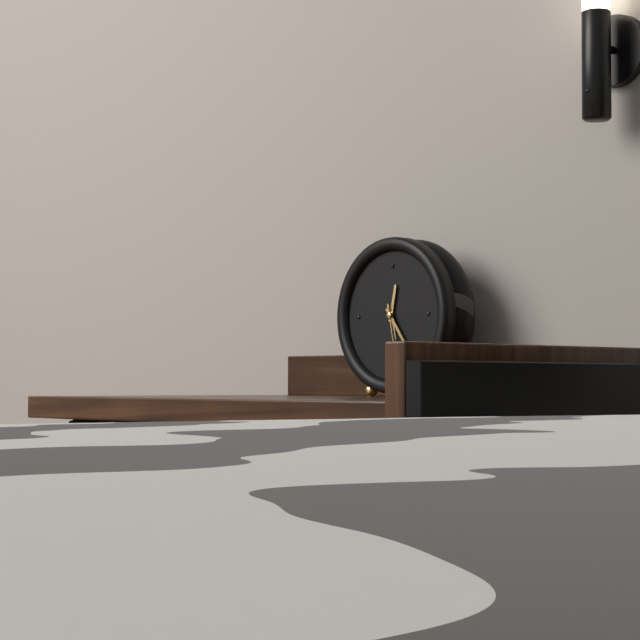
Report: 12:24
